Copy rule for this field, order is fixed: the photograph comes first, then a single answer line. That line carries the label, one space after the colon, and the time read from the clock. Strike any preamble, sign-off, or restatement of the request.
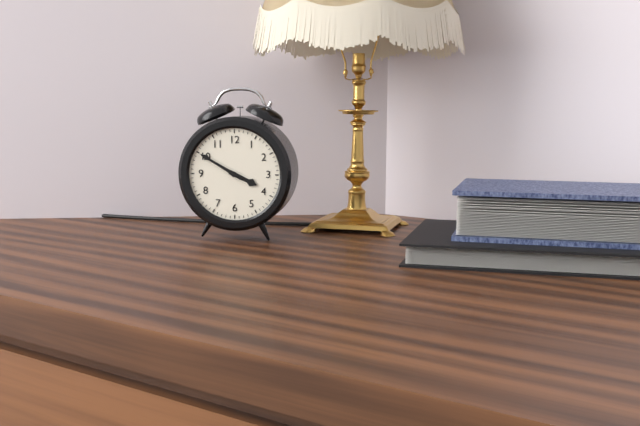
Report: 3:50
